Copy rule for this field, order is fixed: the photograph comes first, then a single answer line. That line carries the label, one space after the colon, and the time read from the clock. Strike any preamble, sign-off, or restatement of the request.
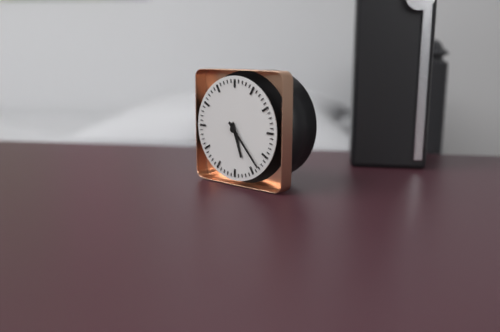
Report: 5:23
